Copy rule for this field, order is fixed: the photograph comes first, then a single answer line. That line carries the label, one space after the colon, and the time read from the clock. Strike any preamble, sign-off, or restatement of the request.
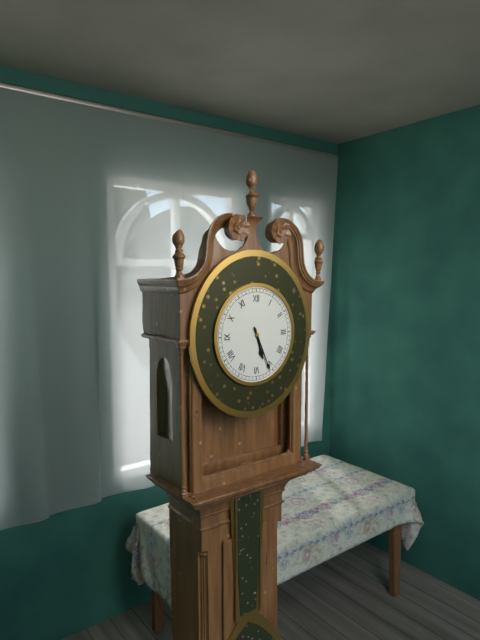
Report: 5:26
